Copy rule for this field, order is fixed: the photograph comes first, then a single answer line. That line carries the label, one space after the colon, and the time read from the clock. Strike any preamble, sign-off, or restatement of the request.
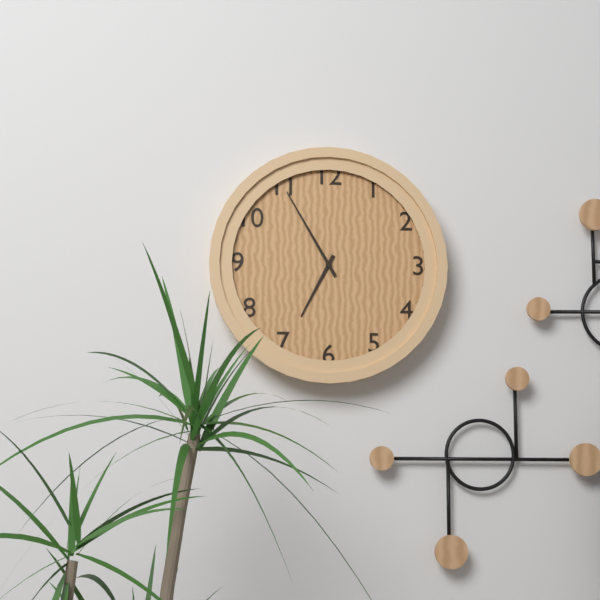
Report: 6:55
